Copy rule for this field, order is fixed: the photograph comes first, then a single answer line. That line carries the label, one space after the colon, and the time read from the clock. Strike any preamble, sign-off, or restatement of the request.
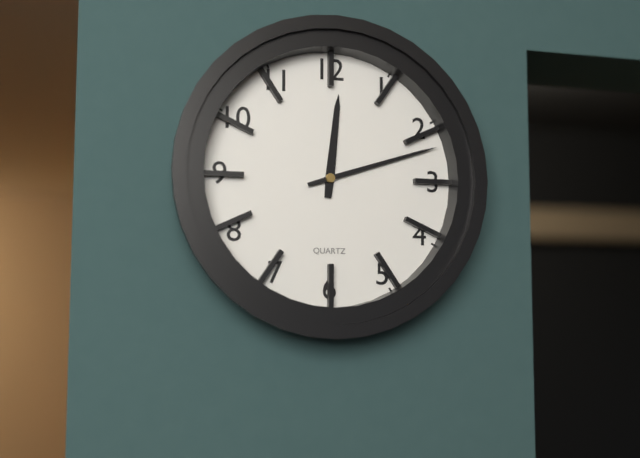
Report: 12:12
